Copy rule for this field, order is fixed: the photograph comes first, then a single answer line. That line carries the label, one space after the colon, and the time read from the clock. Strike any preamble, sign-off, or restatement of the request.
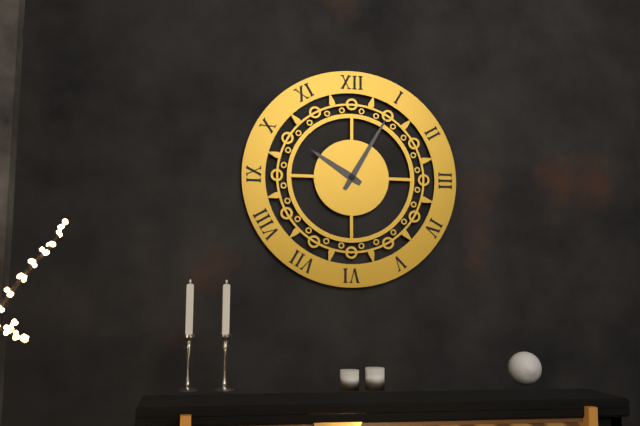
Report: 10:05
